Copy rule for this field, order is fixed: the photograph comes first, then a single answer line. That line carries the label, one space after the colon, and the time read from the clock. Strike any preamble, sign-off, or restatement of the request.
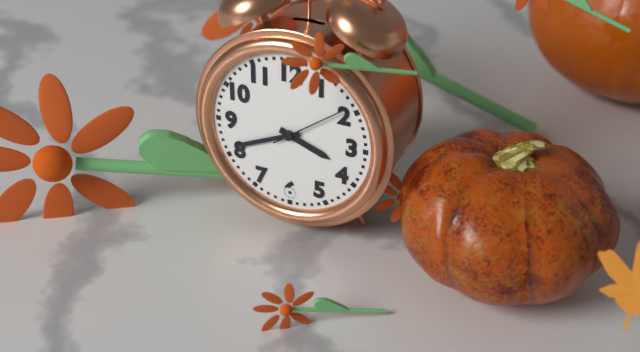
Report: 3:41:09
